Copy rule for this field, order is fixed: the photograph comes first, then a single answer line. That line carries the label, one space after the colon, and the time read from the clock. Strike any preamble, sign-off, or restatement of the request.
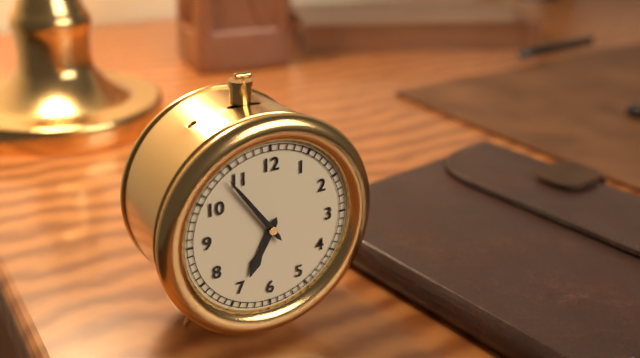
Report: 6:54
